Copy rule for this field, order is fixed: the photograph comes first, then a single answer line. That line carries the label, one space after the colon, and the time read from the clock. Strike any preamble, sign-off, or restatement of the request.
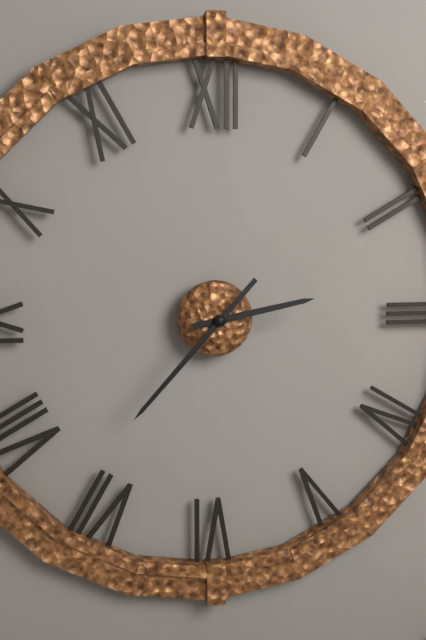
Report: 2:37
